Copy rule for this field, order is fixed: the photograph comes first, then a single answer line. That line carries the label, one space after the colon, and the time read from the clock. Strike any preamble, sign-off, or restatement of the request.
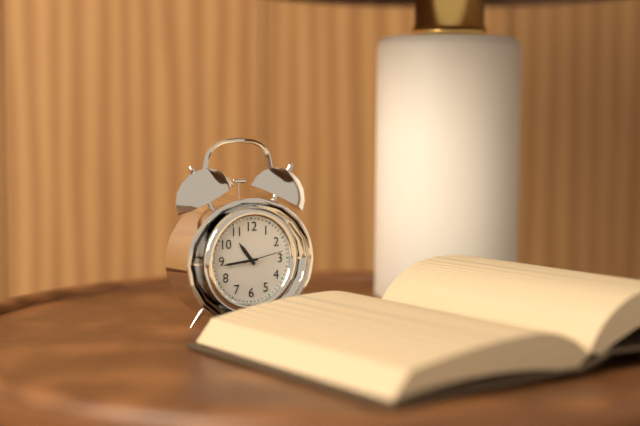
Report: 10:44
